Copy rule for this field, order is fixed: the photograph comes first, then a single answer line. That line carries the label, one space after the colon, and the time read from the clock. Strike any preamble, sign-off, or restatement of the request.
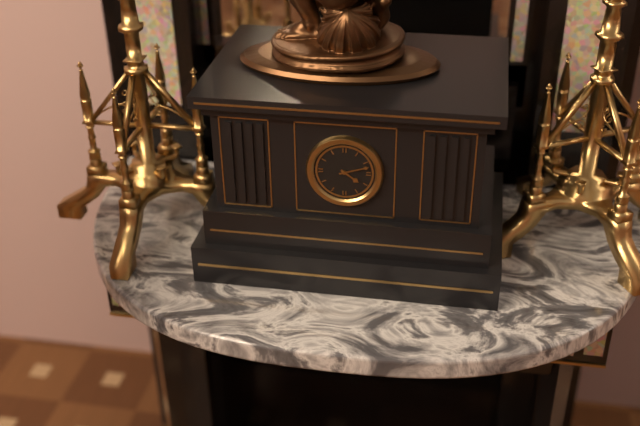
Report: 4:12
